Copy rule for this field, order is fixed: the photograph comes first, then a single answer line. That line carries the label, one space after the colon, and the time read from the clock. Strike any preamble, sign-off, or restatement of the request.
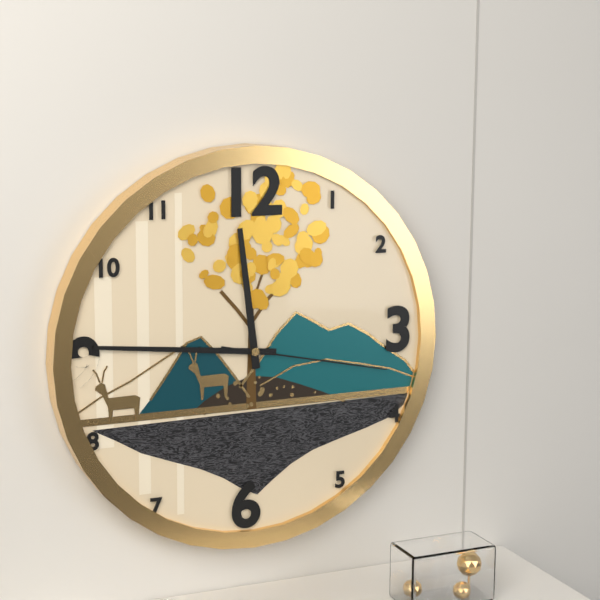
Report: 11:46:17
